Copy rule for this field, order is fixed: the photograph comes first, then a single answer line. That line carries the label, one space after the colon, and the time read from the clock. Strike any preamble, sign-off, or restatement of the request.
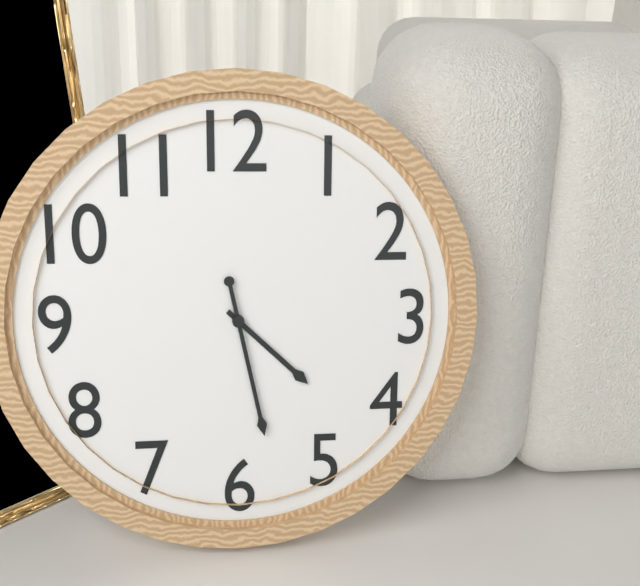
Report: 4:28
